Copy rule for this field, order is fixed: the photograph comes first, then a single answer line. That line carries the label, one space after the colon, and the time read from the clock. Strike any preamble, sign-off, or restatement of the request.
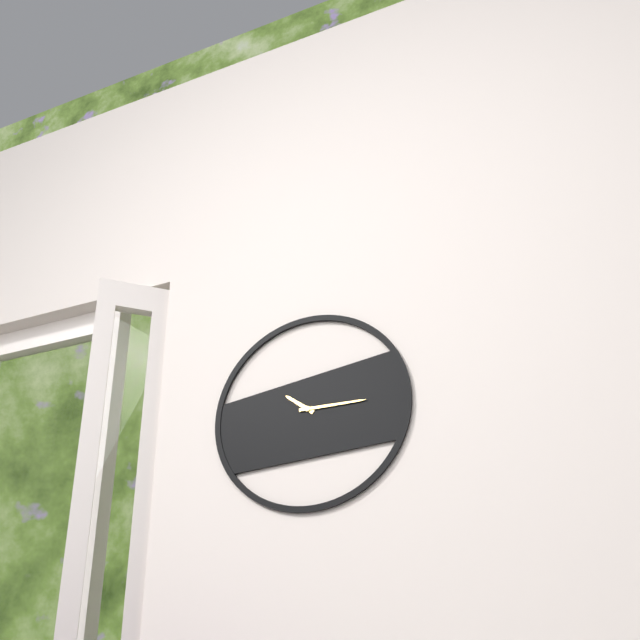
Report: 10:15
